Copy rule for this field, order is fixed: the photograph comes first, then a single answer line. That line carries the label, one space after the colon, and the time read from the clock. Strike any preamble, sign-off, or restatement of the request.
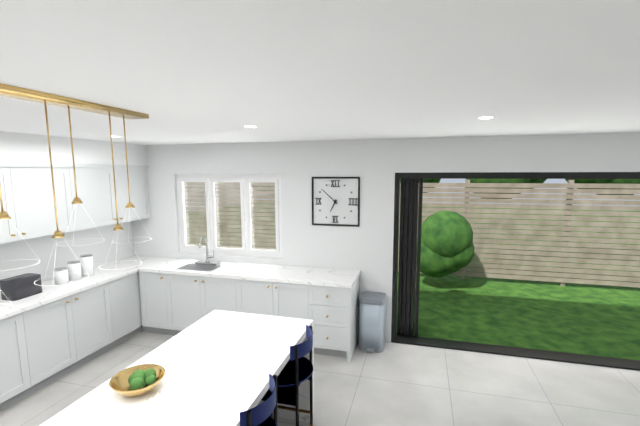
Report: 6:52
